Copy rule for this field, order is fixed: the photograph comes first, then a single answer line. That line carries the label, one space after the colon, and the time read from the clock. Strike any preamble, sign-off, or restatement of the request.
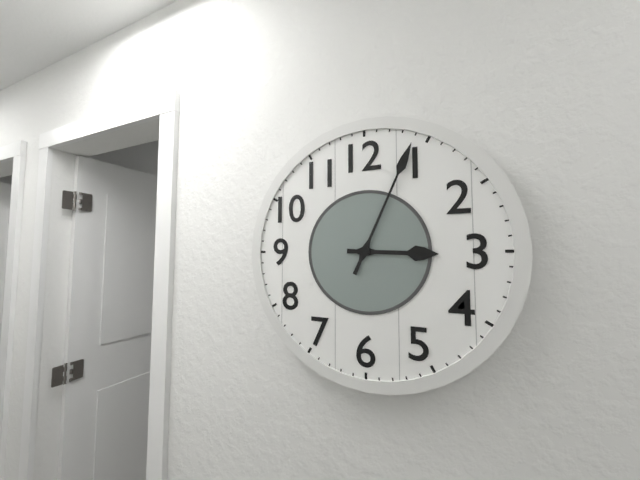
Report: 3:04
